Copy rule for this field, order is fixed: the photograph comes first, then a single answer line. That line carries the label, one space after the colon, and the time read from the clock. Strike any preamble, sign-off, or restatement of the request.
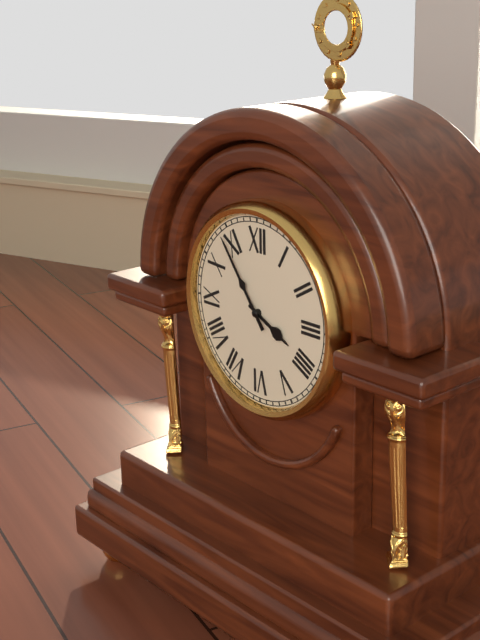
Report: 3:54
